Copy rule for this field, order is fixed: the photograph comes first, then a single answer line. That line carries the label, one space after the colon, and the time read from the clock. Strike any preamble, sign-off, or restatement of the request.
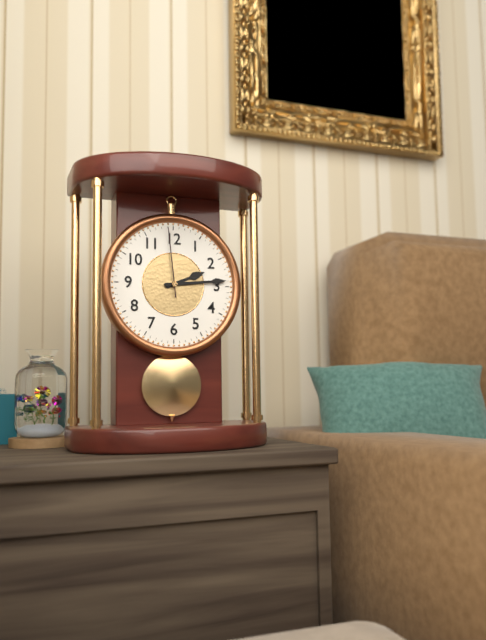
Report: 2:14:59
